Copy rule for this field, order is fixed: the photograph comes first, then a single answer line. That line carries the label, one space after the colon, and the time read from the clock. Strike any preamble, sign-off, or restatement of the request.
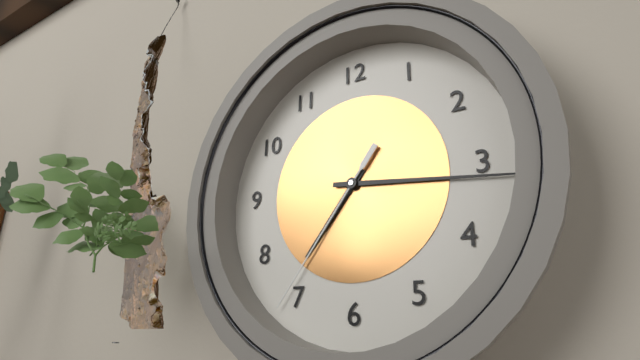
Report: 7:16:36
